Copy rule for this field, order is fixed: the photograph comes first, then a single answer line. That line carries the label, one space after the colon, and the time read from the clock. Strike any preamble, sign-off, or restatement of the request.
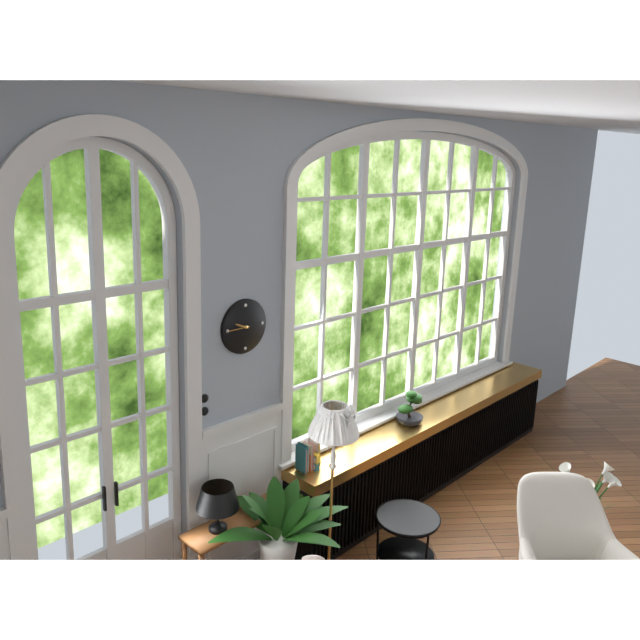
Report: 9:45
